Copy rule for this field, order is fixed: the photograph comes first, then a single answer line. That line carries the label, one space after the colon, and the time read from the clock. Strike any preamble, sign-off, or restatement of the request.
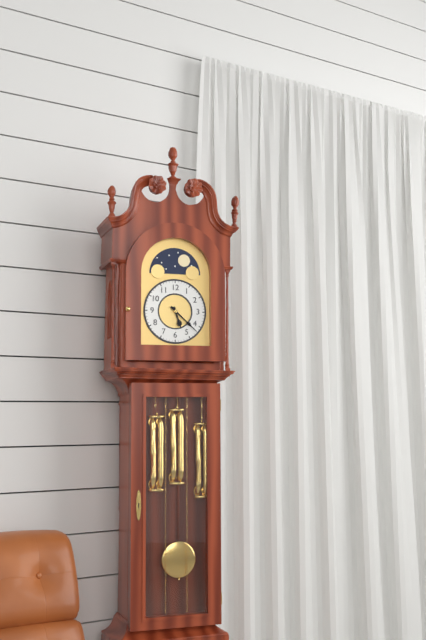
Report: 5:22
